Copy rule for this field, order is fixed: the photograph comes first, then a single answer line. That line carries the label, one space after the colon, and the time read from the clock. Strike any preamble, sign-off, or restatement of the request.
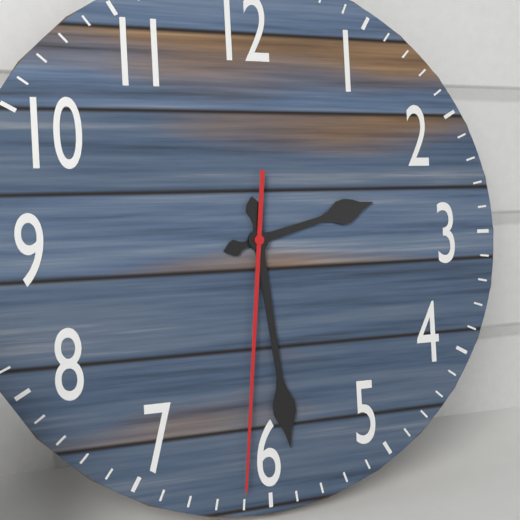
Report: 2:29:31
